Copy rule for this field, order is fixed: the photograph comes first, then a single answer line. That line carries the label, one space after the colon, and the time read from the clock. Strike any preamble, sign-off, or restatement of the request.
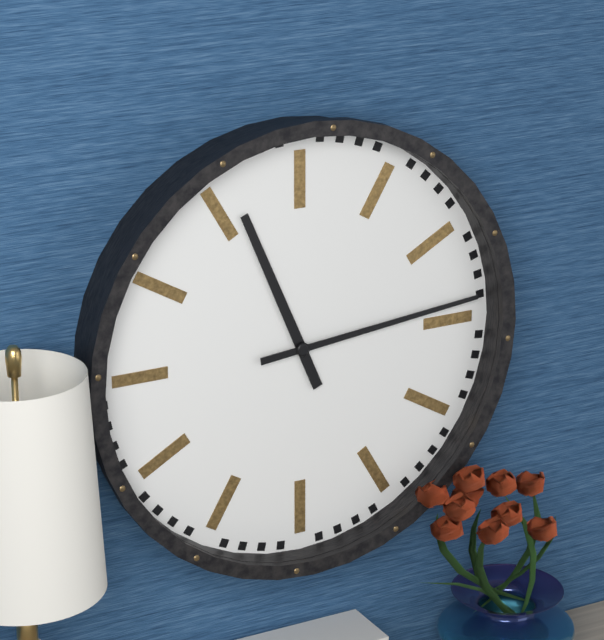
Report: 11:14
